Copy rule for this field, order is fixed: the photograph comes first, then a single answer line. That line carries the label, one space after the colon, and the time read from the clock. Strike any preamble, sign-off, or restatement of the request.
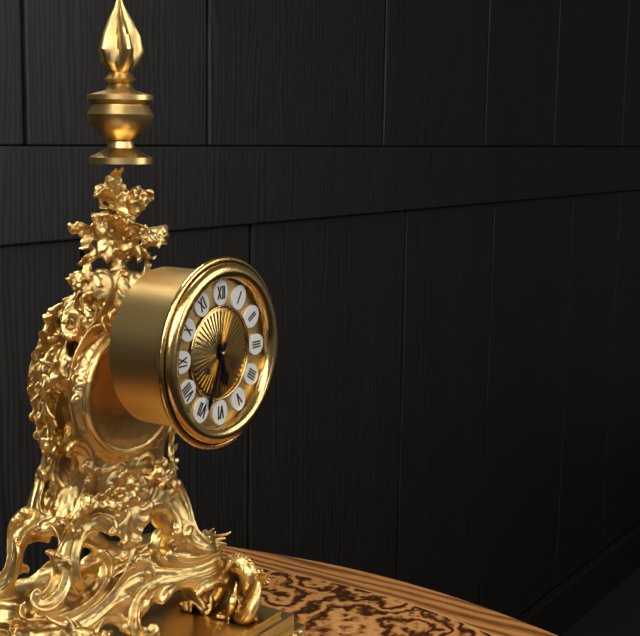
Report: 5:34
